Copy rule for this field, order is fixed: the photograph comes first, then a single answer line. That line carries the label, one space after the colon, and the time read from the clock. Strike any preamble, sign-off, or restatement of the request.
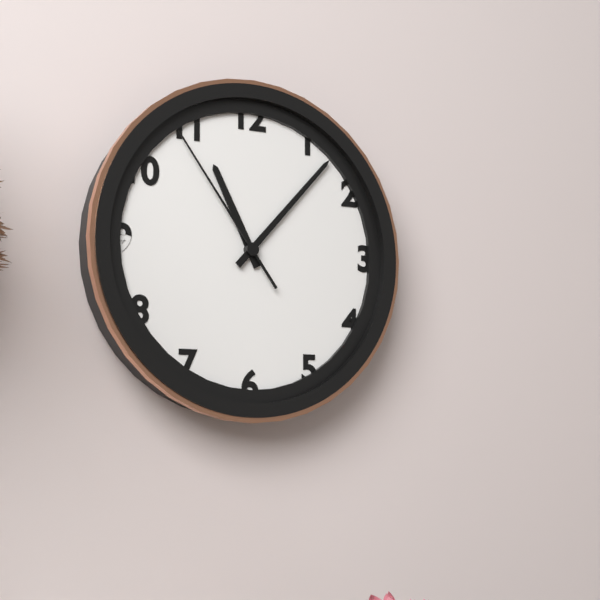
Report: 11:07:54
